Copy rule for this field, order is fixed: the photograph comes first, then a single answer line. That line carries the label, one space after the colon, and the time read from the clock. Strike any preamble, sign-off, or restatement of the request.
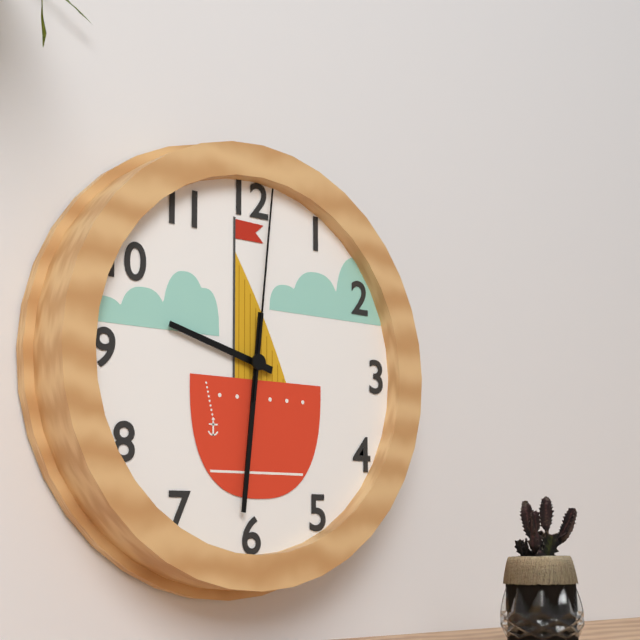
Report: 9:31:01
